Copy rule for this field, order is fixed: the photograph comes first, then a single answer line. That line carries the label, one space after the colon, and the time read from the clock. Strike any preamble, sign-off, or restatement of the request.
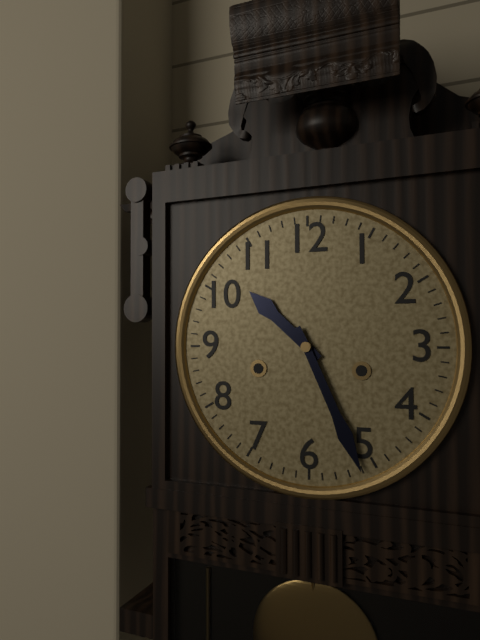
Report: 10:26
